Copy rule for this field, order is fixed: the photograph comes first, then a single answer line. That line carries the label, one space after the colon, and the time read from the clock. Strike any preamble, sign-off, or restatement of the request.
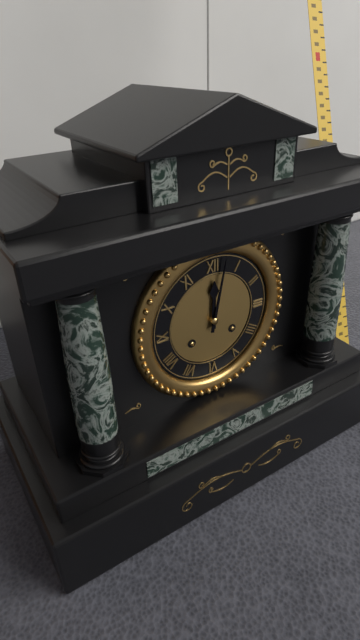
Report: 12:02
